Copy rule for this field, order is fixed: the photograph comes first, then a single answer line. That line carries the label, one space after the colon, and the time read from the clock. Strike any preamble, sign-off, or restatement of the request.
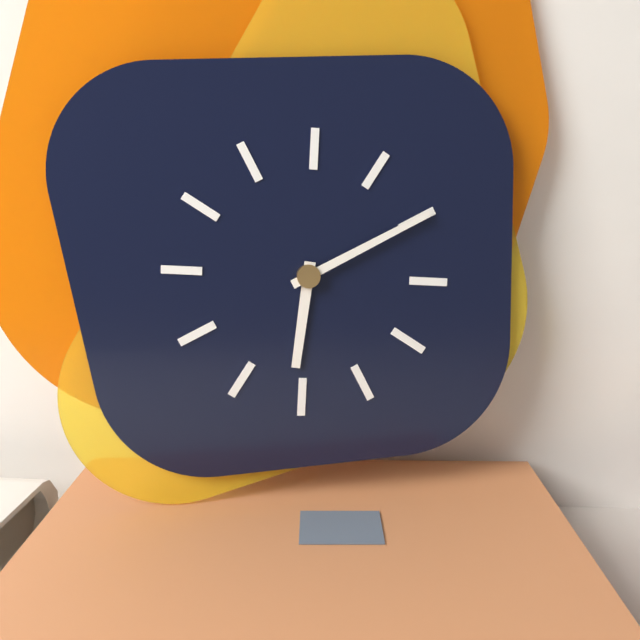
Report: 6:10
